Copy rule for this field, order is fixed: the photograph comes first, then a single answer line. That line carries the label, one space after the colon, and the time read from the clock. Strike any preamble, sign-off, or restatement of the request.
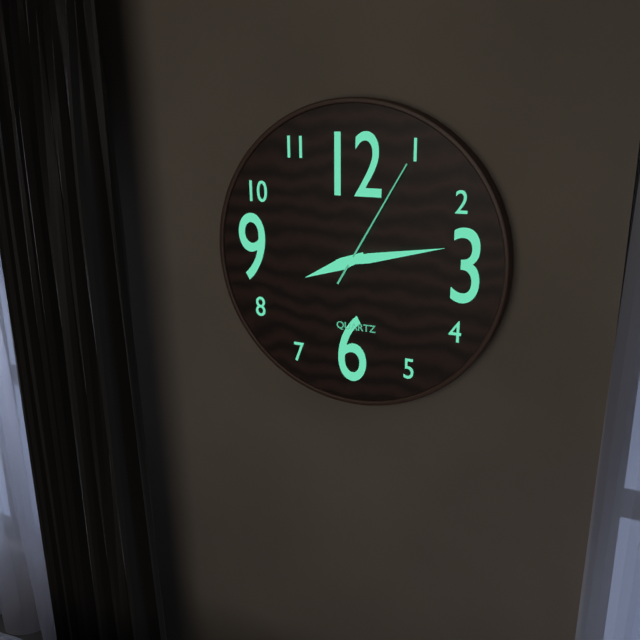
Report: 8:13:05
